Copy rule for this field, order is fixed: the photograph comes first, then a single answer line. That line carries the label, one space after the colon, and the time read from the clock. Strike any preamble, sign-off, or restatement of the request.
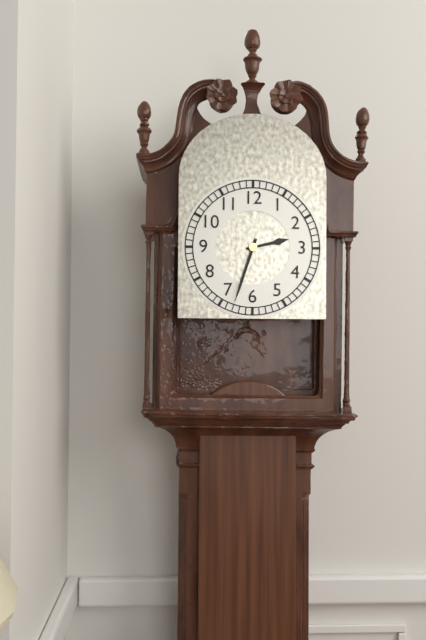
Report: 2:33
